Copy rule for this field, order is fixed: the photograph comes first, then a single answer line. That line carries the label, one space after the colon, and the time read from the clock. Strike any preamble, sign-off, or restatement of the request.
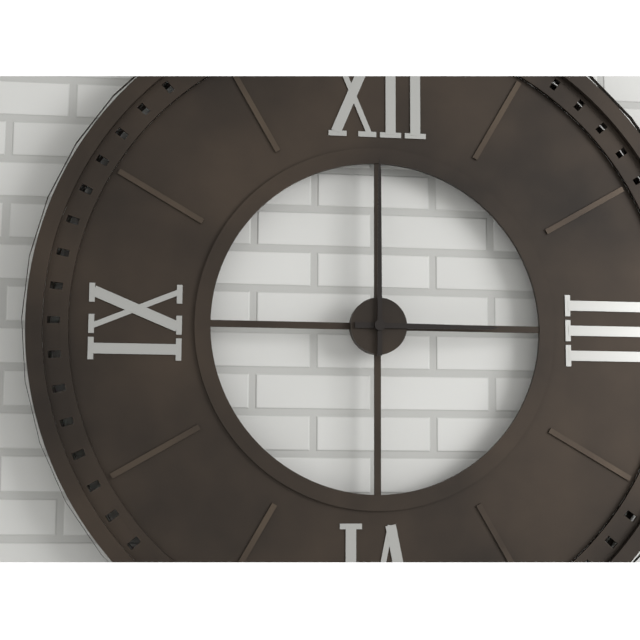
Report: 3:00
